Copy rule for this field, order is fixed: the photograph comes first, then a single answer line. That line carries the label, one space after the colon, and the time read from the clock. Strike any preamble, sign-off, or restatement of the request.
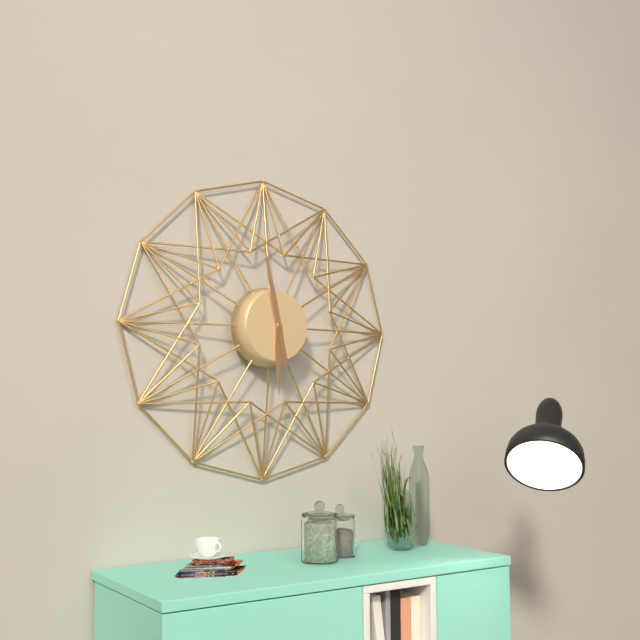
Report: 5:58
